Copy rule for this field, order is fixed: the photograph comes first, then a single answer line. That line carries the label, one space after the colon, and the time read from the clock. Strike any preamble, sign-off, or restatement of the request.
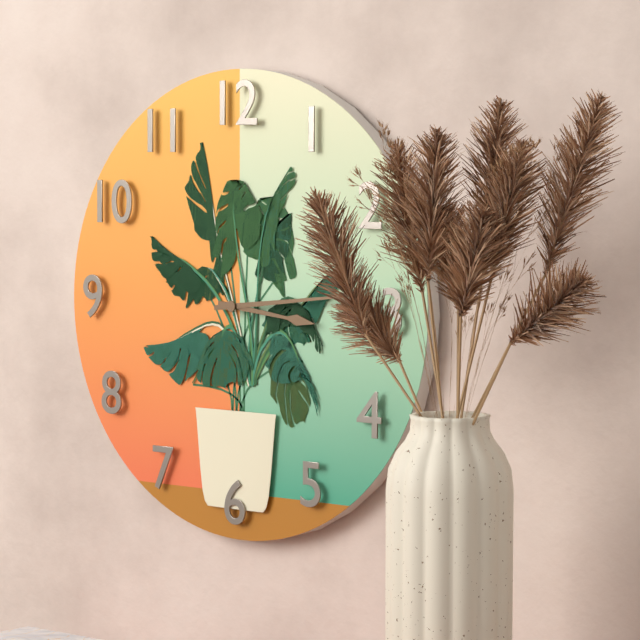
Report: 3:14
